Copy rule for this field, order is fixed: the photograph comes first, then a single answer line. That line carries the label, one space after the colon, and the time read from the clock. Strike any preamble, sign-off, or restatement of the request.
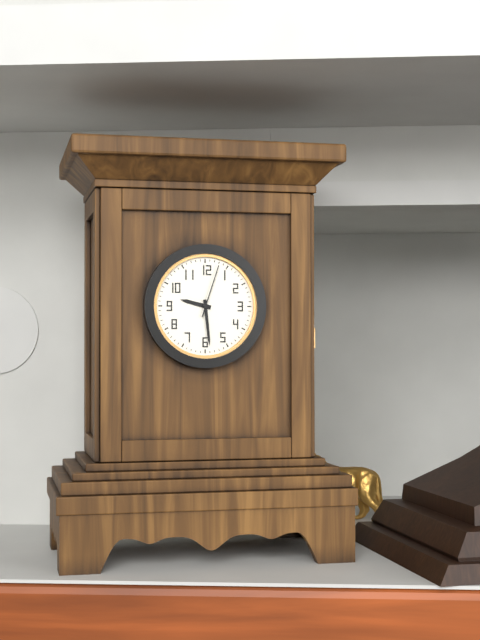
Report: 9:29:03
